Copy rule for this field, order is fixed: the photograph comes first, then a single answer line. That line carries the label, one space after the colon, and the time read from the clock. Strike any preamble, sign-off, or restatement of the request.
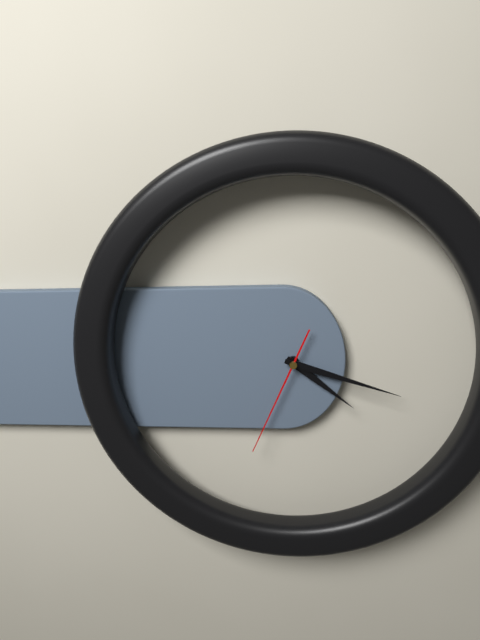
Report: 4:18:34
